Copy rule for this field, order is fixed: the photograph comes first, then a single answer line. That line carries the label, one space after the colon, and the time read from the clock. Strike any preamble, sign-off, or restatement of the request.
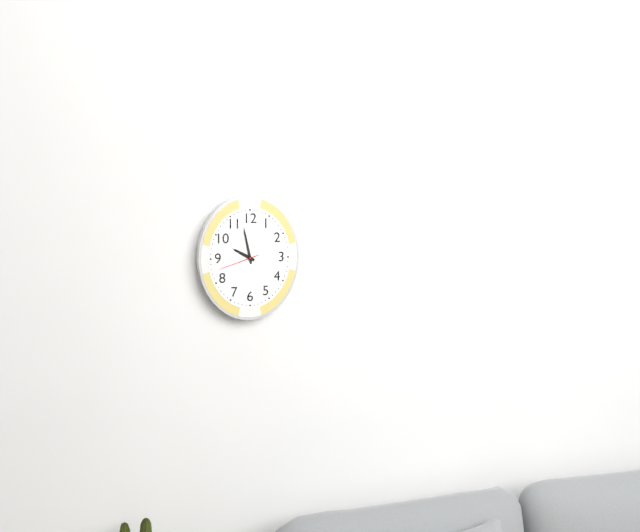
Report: 9:58
